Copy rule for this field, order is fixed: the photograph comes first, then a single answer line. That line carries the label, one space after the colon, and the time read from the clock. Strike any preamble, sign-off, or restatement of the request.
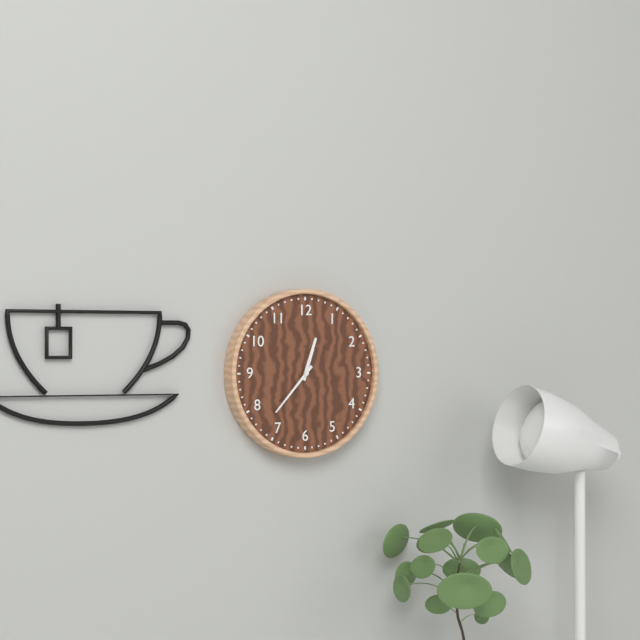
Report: 12:37
